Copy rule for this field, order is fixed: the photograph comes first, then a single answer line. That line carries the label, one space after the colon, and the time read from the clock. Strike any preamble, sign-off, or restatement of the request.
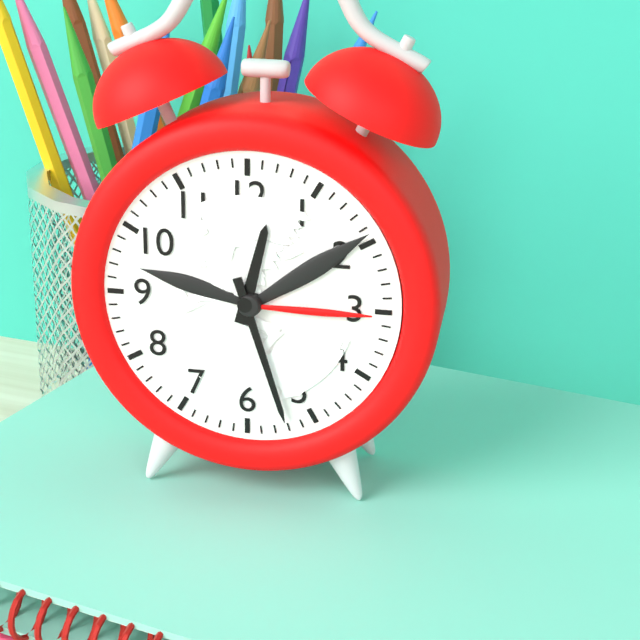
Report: 12:27
